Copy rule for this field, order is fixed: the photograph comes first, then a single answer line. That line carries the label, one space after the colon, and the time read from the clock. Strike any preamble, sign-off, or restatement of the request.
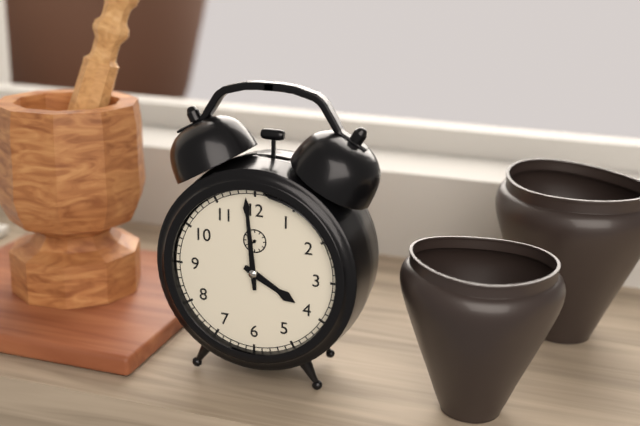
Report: 3:59
